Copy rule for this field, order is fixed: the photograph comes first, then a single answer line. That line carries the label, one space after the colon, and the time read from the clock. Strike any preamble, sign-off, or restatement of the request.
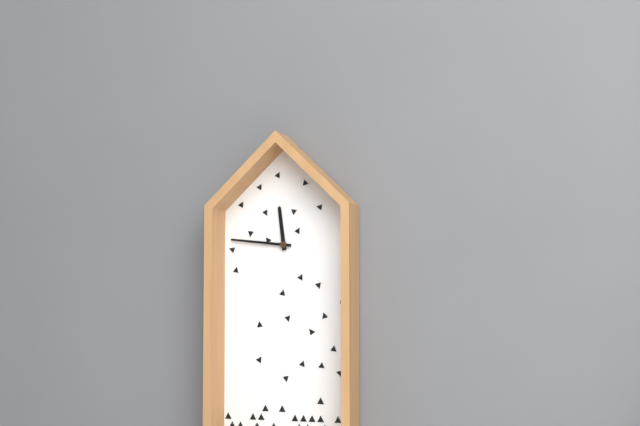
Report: 11:46
